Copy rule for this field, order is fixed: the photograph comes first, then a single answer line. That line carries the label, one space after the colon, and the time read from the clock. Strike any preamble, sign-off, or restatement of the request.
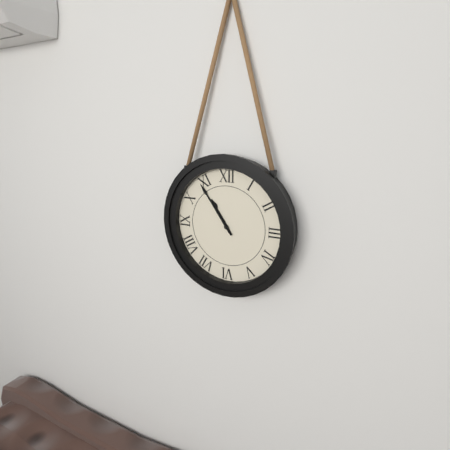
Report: 10:54
